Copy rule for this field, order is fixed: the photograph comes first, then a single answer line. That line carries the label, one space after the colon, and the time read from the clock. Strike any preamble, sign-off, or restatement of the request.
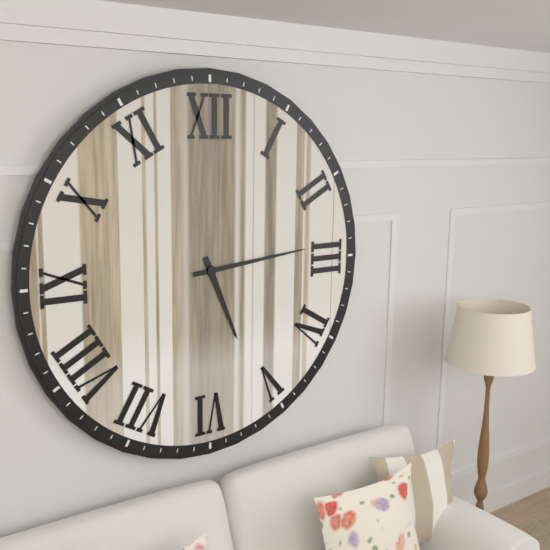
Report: 5:14
